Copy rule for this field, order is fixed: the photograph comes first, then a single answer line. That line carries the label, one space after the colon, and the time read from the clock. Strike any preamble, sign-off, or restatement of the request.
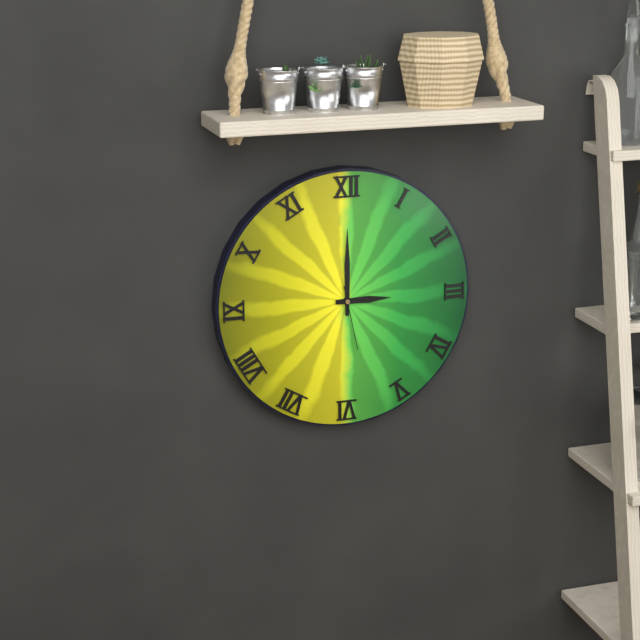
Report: 3:00:28
